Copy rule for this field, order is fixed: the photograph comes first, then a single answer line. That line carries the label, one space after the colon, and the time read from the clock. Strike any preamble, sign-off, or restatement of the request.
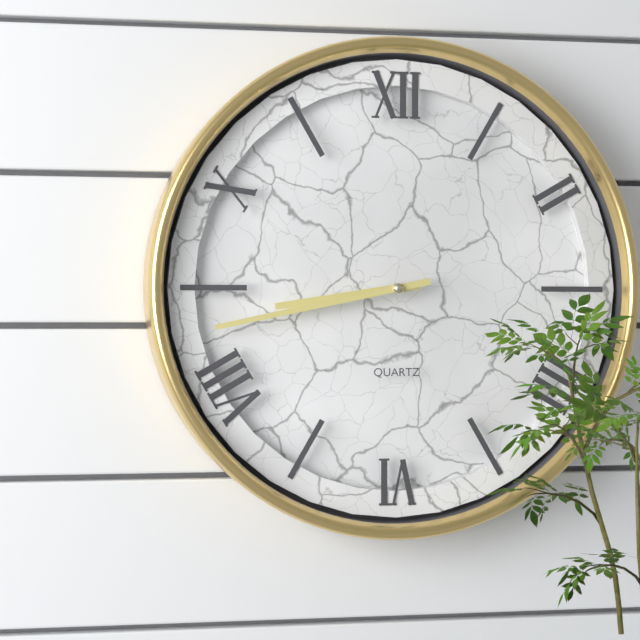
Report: 8:43
